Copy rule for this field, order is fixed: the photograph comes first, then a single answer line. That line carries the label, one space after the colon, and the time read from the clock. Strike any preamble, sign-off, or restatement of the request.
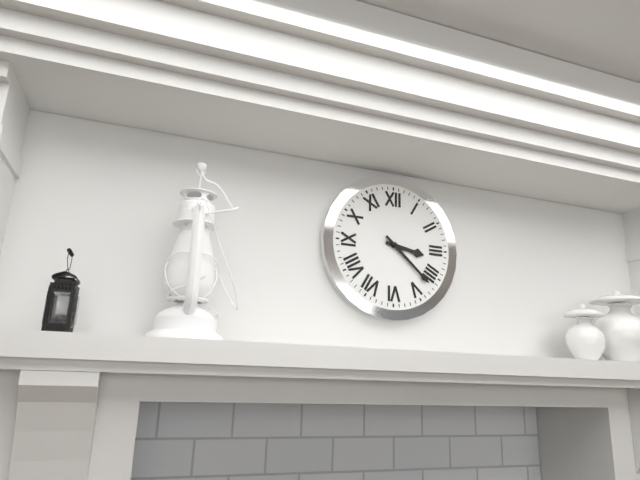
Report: 3:22
